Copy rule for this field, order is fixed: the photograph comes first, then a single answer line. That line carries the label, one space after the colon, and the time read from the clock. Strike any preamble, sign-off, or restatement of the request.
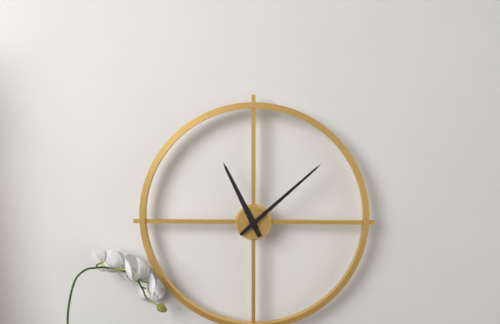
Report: 11:08
